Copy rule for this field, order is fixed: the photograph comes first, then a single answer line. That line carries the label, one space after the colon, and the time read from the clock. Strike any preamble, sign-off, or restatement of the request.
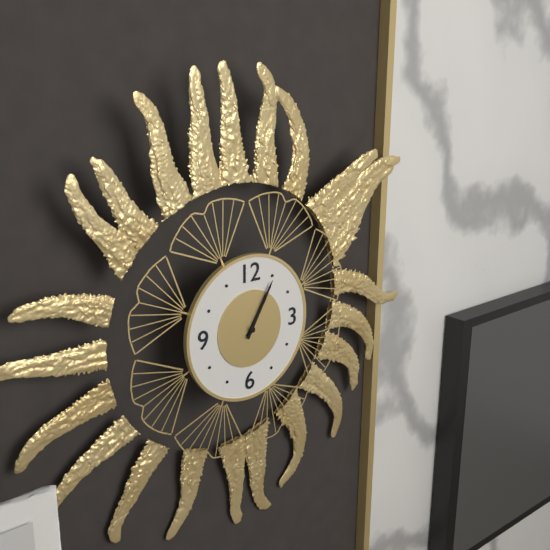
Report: 1:05
